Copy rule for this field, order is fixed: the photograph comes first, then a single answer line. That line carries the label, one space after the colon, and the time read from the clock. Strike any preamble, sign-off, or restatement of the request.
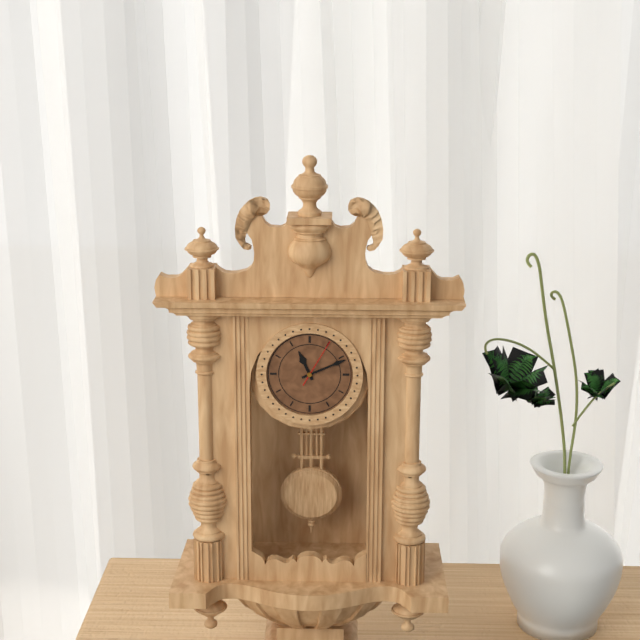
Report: 11:11
